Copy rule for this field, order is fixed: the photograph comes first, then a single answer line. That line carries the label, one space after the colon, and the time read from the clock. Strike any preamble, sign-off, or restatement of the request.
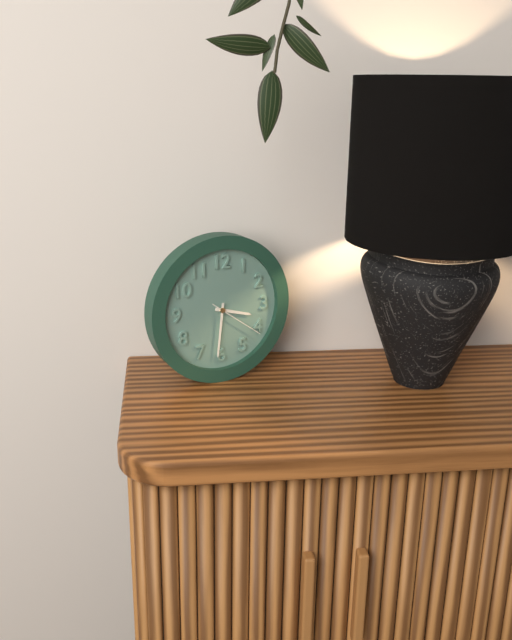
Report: 3:31:21
